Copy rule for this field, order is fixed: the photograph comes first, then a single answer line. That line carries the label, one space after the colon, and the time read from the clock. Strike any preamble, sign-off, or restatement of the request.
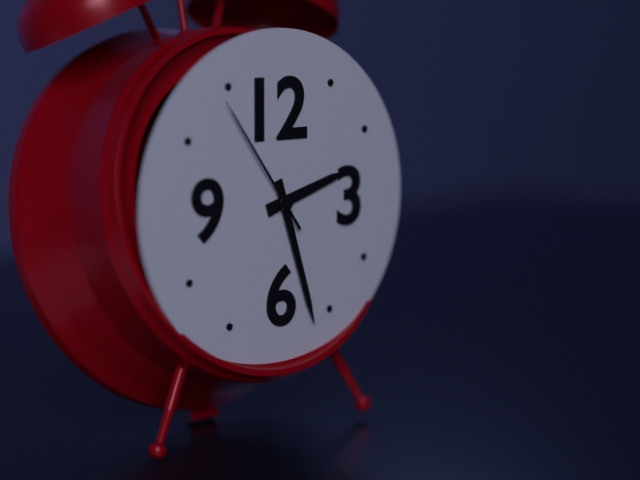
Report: 2:27:54
